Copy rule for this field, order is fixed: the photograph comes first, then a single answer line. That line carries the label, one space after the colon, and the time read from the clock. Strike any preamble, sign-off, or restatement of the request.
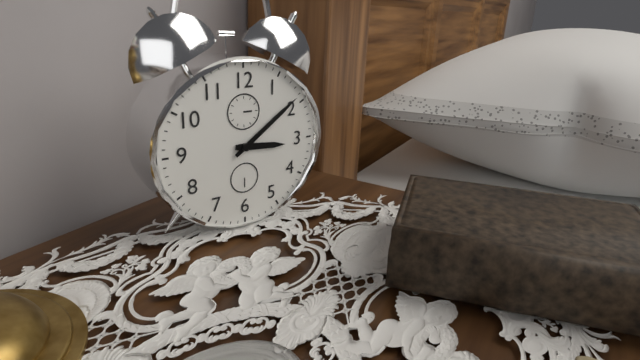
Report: 3:09
